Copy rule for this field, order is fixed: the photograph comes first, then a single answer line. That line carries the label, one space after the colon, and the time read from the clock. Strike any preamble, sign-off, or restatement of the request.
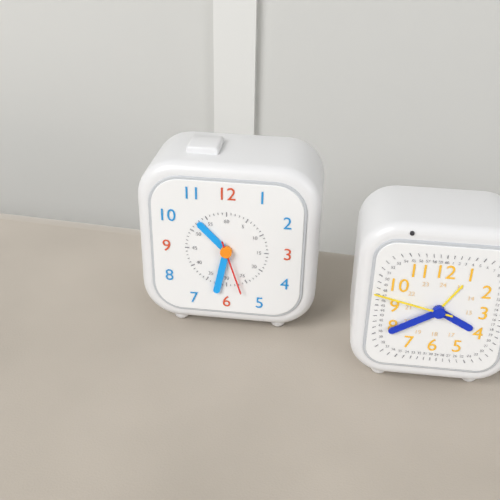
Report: 10:32:27
